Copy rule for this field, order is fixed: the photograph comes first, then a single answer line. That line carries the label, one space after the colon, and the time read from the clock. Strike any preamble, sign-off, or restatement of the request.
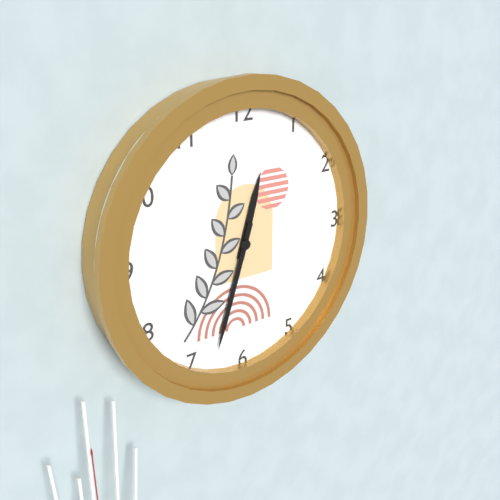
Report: 12:33
